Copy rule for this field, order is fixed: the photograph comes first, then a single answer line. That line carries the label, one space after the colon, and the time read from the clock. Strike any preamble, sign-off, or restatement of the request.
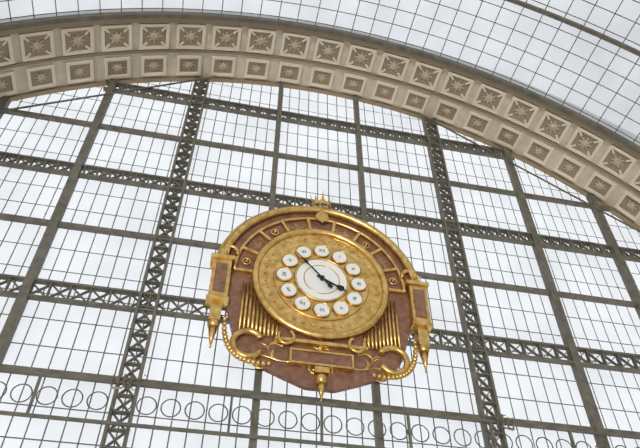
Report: 3:53
